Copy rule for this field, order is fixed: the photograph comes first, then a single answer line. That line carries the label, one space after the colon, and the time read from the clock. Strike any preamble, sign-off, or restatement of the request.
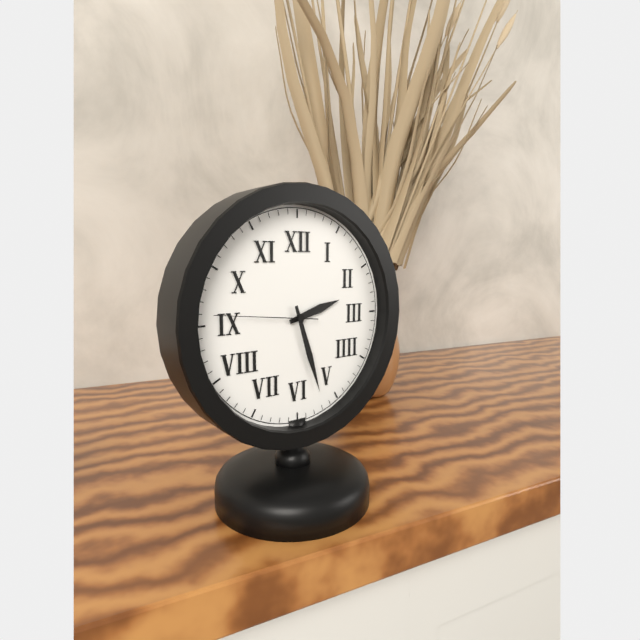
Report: 2:27:46
